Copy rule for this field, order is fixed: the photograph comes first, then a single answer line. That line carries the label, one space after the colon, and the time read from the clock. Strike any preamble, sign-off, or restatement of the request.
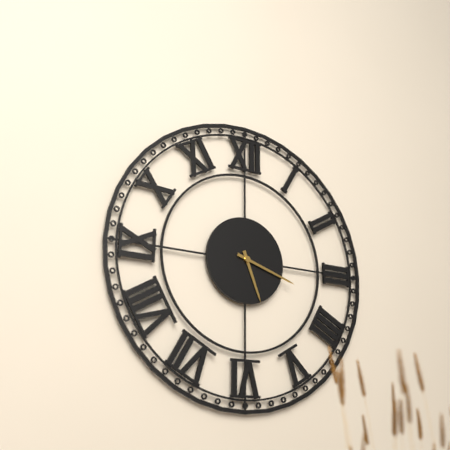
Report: 5:18
